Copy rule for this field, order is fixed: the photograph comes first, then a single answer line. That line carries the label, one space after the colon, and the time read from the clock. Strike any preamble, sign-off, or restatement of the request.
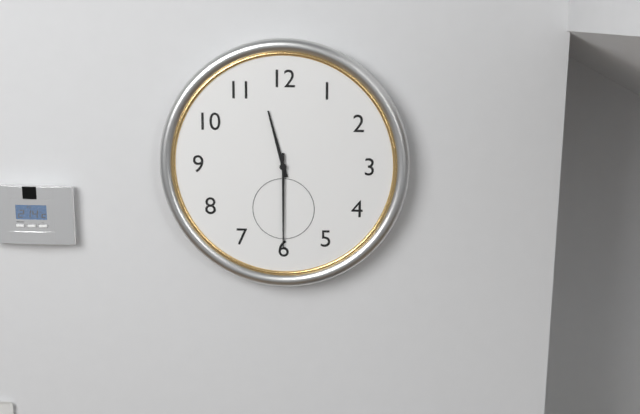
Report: 11:30
